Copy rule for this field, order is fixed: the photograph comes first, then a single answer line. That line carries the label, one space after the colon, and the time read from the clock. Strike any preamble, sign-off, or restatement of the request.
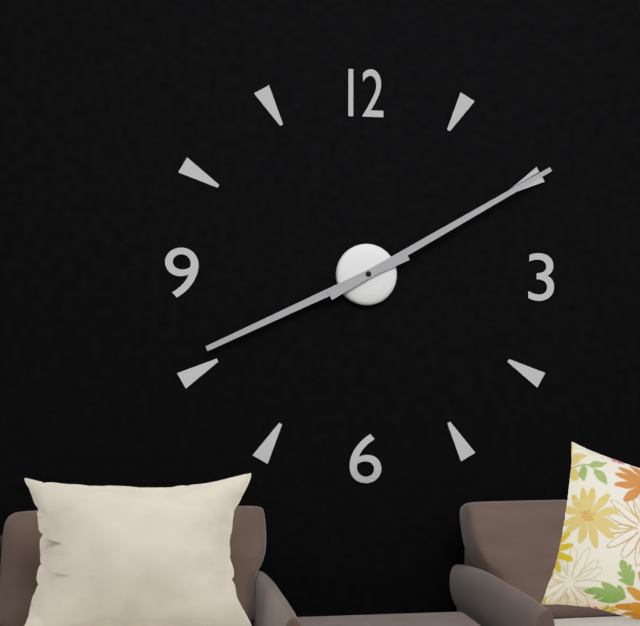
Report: 8:10
